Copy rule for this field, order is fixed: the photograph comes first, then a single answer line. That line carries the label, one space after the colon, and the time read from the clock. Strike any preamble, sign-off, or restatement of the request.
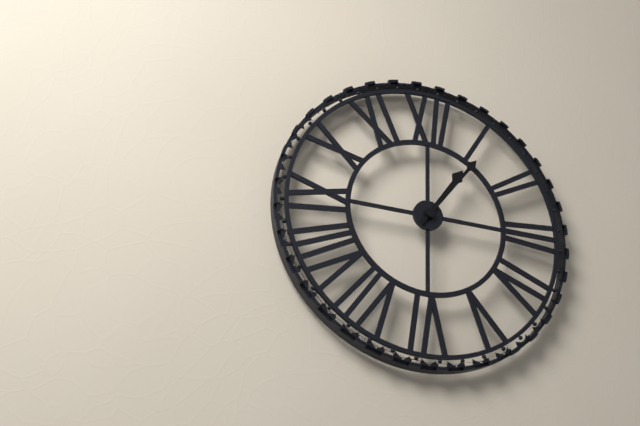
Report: 1:06
